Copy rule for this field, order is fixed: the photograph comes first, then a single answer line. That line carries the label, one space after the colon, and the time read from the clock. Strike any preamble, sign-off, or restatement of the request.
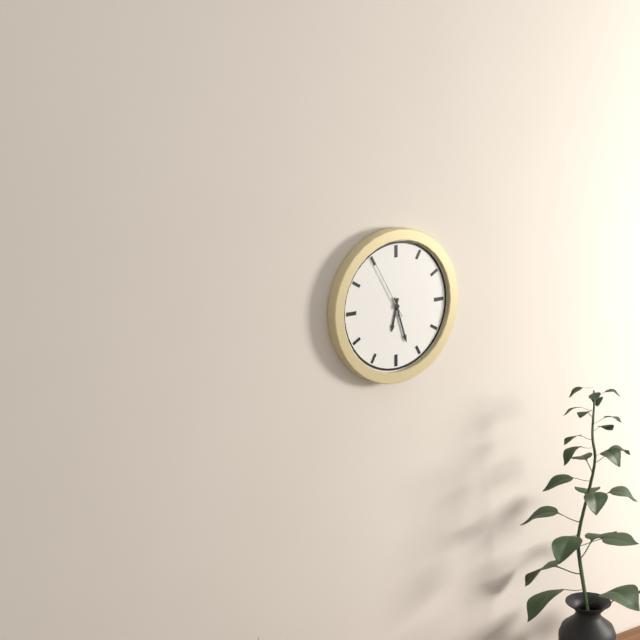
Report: 6:27:55
